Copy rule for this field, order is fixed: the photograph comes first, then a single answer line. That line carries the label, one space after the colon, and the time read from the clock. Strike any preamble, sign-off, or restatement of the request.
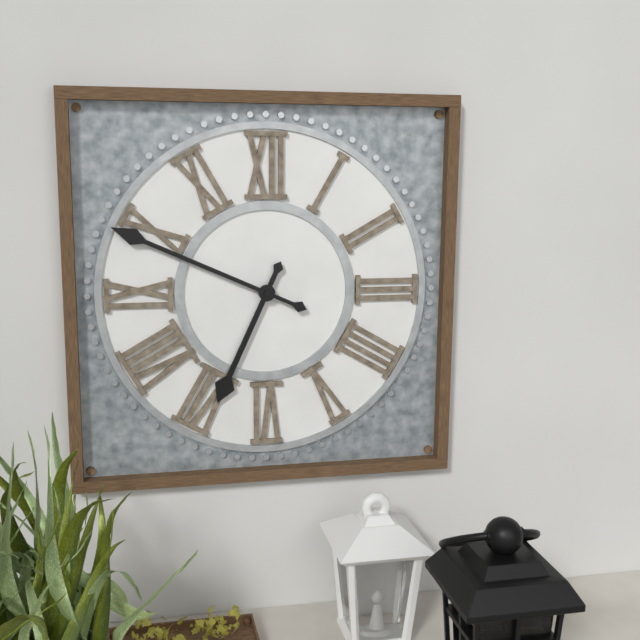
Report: 6:49
